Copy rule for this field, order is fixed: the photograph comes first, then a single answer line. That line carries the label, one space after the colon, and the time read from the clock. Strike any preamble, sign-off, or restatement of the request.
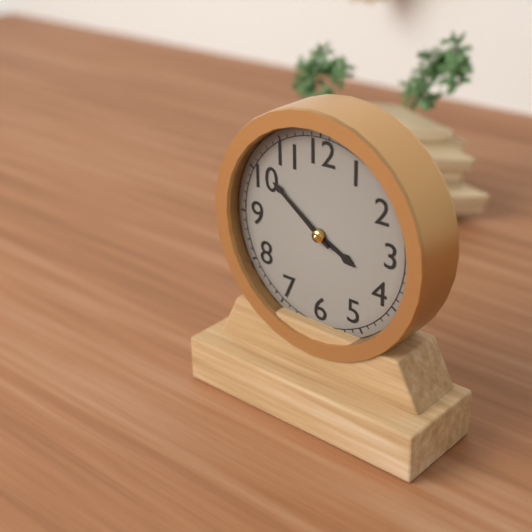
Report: 3:51
